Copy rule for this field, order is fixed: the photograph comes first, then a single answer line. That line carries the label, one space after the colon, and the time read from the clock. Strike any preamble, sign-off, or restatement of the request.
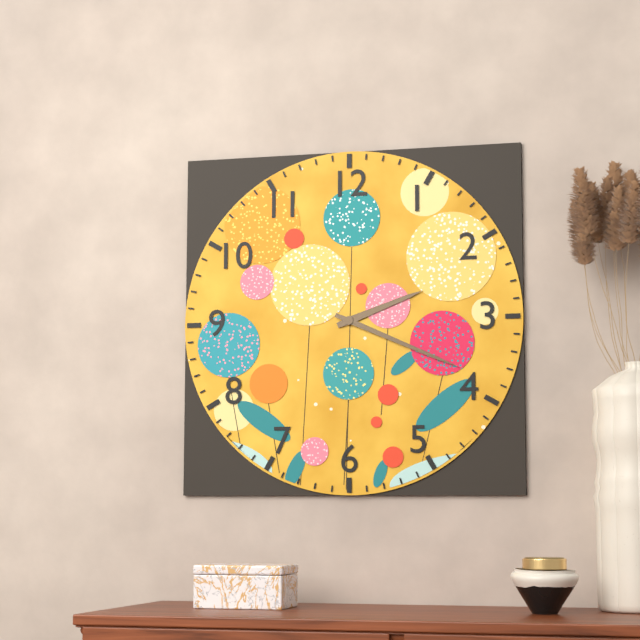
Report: 2:19
